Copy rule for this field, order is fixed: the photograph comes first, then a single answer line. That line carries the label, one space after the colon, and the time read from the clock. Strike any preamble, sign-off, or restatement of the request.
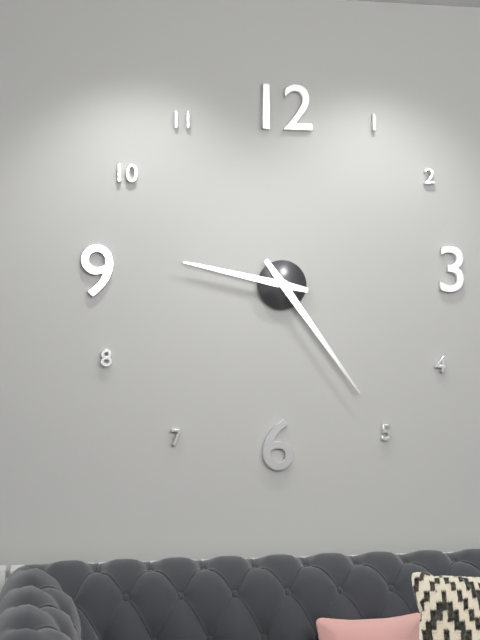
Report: 9:24
